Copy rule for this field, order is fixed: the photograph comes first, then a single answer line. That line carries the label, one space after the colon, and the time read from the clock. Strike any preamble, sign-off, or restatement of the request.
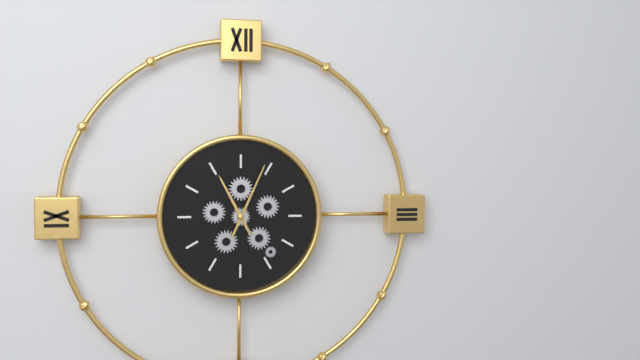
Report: 11:04
